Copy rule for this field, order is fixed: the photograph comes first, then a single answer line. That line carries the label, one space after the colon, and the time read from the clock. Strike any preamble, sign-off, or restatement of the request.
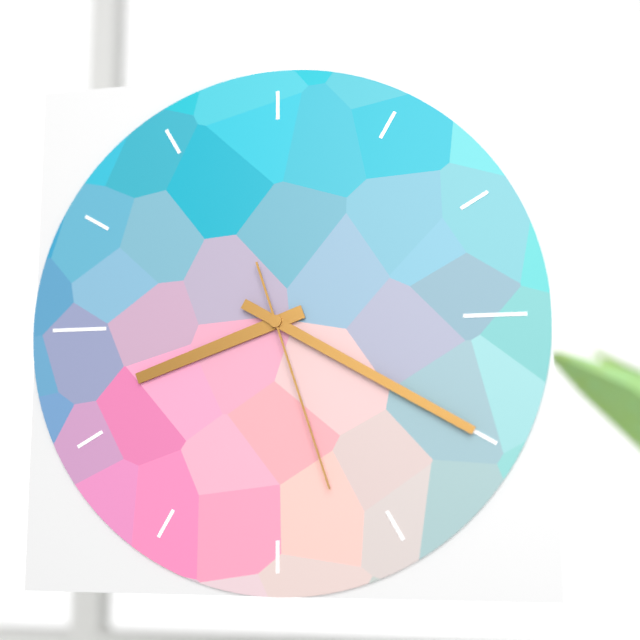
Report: 8:20:27
